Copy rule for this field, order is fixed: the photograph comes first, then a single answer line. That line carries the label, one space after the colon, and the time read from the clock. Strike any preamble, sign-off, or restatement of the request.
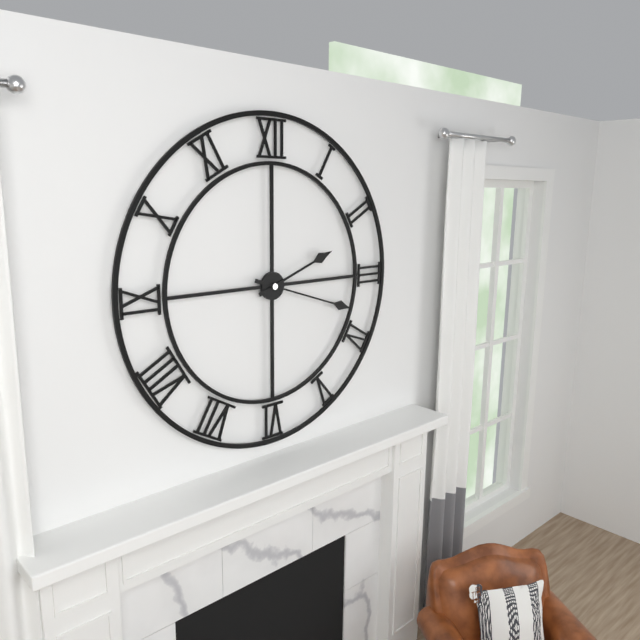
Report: 2:18
